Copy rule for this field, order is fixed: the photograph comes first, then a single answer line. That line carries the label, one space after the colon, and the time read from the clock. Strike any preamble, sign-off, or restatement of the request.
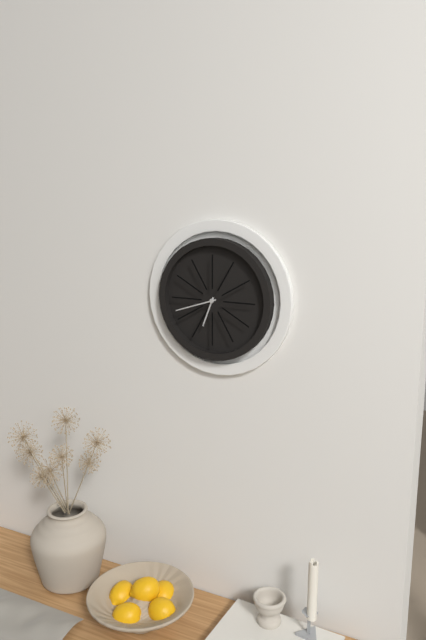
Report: 6:42
